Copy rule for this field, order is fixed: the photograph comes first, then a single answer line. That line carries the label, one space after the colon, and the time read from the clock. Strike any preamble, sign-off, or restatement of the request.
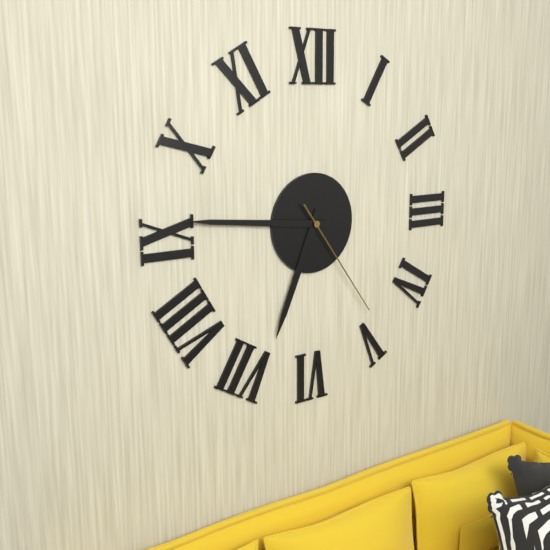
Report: 6:46:24
